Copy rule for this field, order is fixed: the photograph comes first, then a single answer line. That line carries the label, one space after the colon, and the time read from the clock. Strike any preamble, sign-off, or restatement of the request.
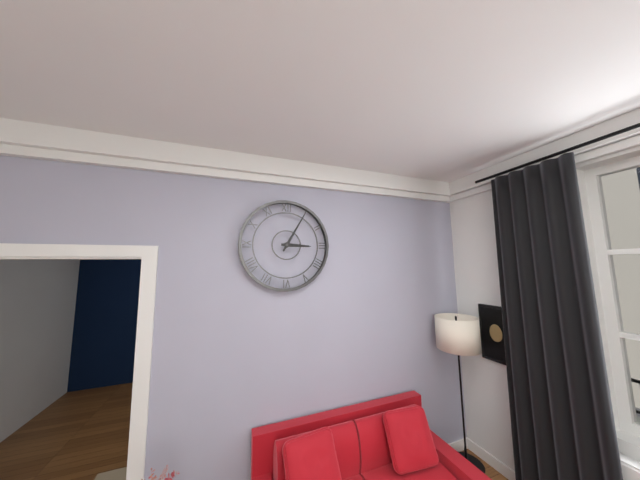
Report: 3:05
